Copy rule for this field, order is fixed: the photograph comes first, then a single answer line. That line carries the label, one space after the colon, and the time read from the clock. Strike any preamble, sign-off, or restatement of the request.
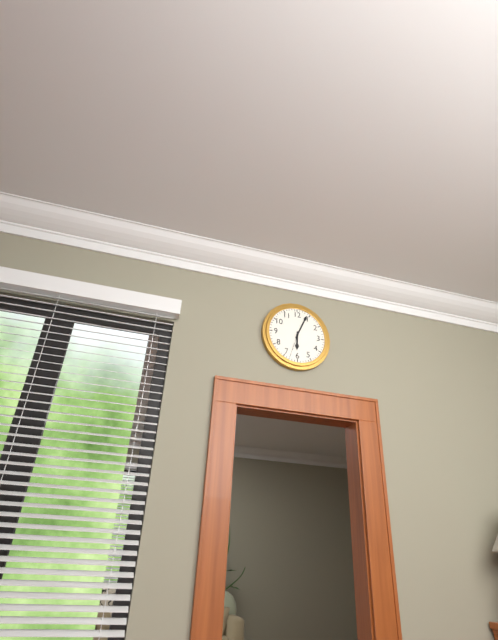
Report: 6:04
